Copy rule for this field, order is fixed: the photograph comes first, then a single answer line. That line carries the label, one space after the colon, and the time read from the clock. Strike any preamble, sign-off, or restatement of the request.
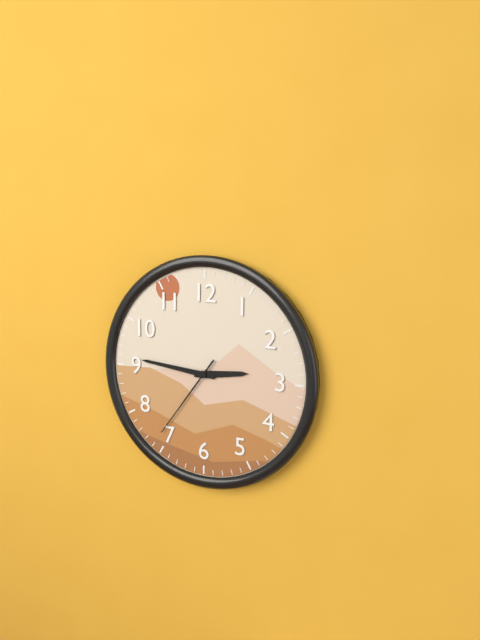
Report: 2:46:36
